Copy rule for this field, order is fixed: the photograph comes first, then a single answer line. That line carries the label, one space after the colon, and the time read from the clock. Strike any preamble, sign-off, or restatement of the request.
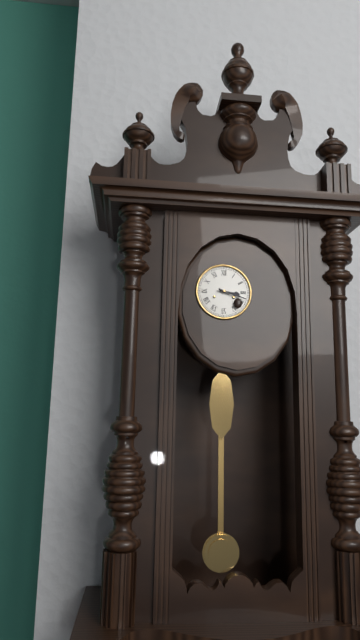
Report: 3:18
